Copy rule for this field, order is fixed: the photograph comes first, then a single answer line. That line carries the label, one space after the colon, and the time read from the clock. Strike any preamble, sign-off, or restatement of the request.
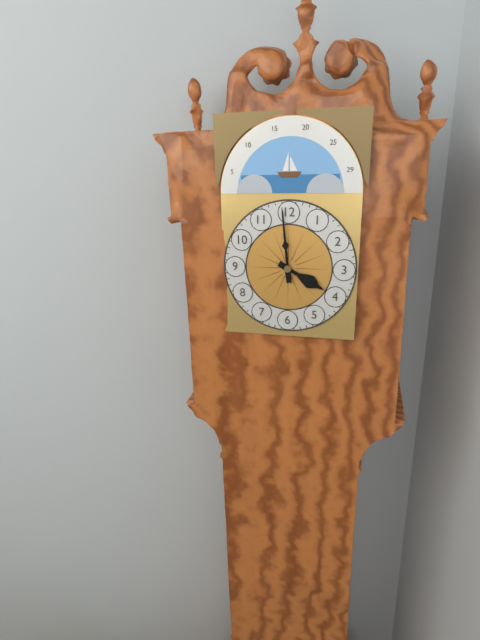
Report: 3:59
